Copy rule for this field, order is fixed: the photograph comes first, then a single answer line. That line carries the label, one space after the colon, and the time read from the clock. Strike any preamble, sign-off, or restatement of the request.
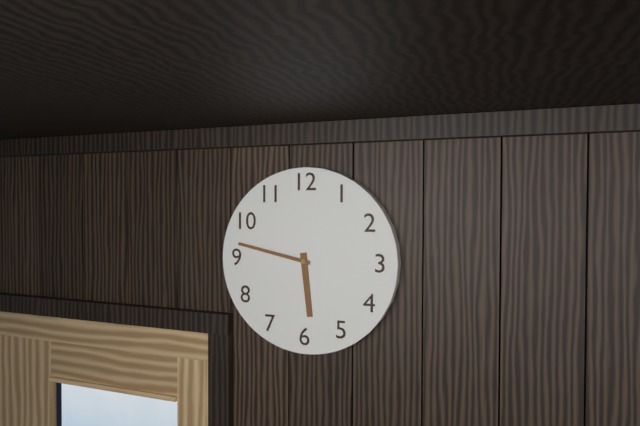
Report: 5:47
